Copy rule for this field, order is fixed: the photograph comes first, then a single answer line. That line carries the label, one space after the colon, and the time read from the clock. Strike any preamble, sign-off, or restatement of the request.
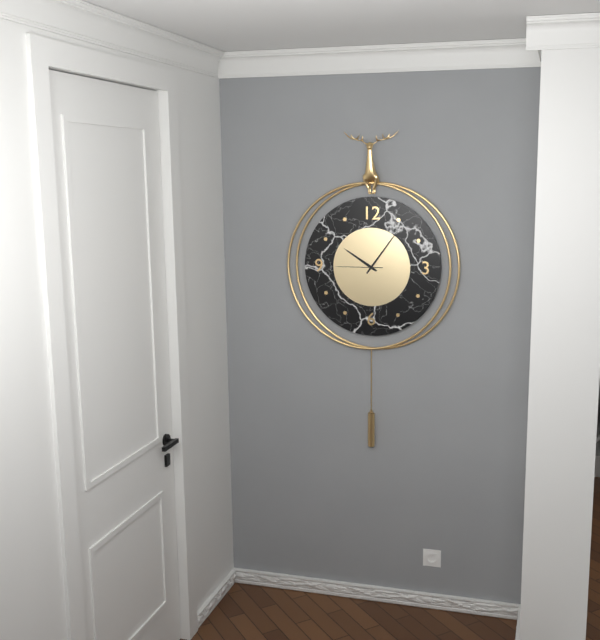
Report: 10:06
